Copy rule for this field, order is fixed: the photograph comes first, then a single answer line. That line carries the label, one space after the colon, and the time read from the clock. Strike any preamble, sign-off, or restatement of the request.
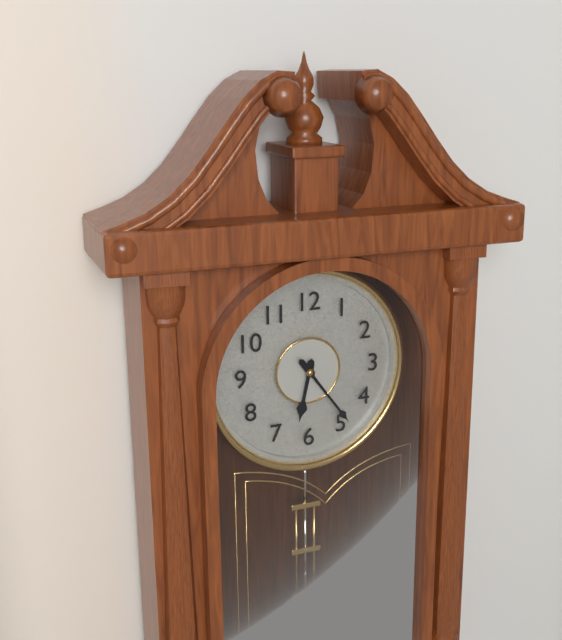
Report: 6:24
